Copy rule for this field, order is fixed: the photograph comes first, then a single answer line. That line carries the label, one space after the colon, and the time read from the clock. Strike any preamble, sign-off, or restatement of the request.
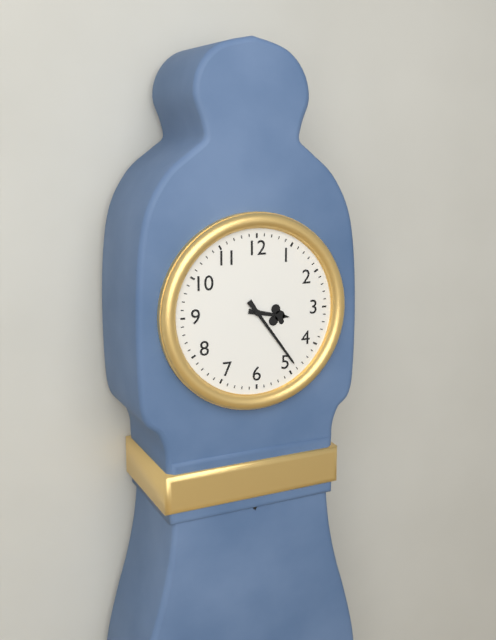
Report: 3:24
